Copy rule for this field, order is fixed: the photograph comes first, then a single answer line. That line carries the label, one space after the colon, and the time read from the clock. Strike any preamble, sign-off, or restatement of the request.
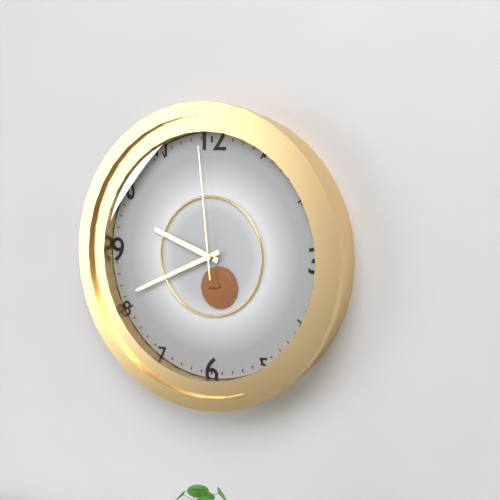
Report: 9:41:59
